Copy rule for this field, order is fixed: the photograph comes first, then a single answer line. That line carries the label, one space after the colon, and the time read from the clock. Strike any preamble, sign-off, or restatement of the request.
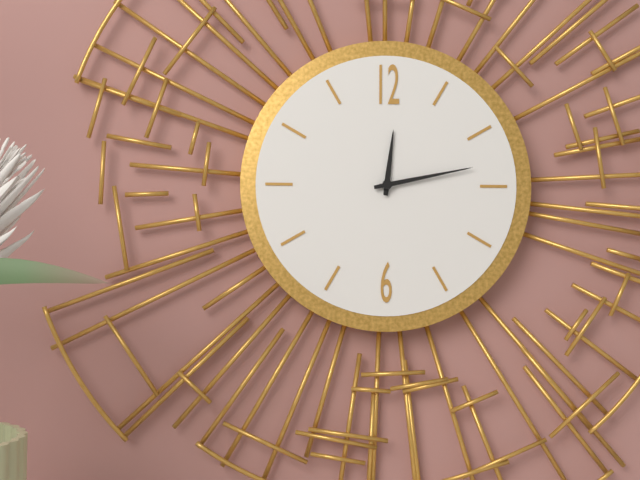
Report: 12:13
